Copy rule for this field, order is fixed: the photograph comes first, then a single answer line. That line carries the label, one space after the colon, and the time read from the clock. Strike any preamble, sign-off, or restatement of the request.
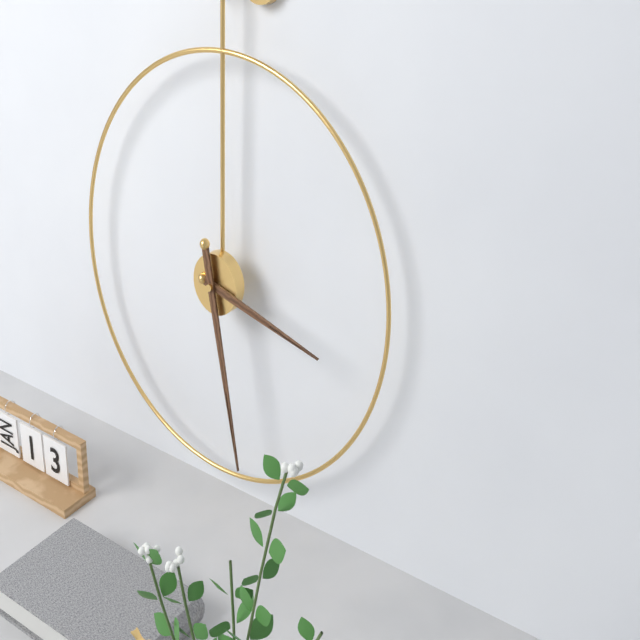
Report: 3:28
